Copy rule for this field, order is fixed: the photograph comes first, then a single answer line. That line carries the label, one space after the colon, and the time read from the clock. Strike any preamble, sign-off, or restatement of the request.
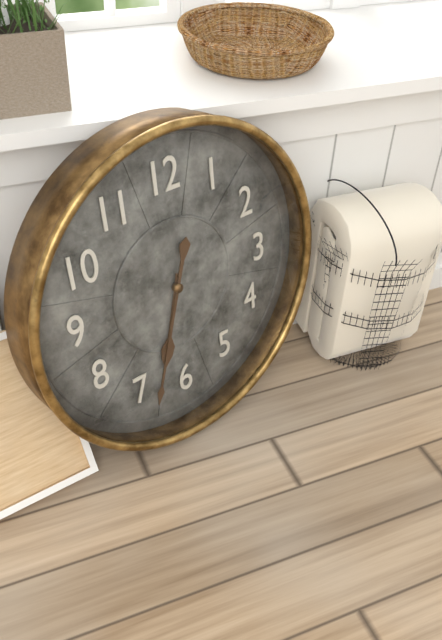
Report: 6:33
